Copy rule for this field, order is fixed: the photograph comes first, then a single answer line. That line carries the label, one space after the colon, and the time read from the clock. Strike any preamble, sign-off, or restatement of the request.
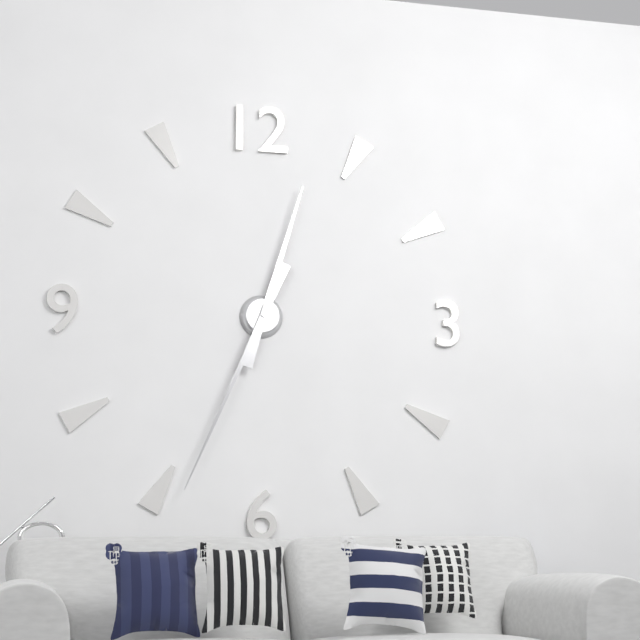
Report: 12:34
